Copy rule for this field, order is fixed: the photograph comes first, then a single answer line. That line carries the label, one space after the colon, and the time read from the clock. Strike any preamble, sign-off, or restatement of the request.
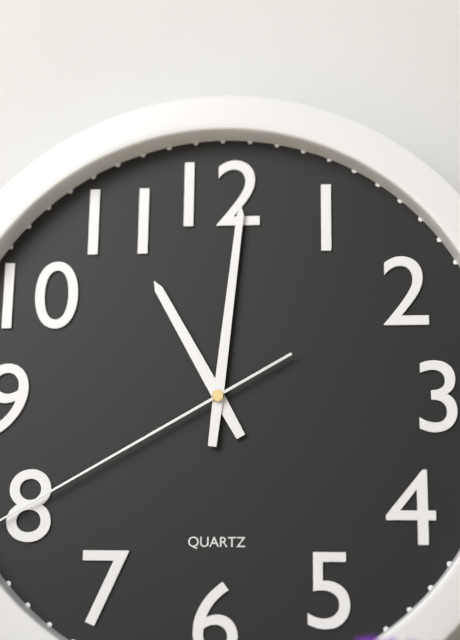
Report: 11:01
